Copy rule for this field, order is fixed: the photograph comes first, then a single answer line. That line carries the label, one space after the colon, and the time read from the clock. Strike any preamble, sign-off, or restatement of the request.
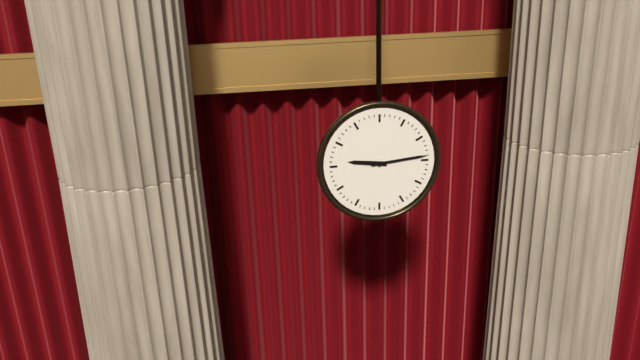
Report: 9:14
